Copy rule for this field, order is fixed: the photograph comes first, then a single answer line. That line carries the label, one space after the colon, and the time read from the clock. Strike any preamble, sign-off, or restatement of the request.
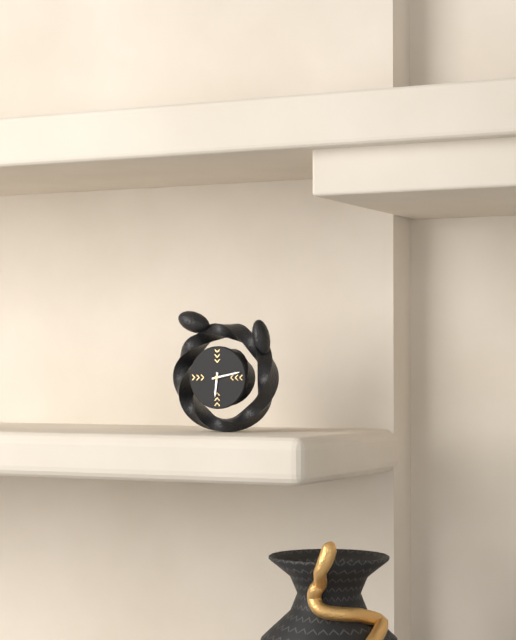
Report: 6:13
